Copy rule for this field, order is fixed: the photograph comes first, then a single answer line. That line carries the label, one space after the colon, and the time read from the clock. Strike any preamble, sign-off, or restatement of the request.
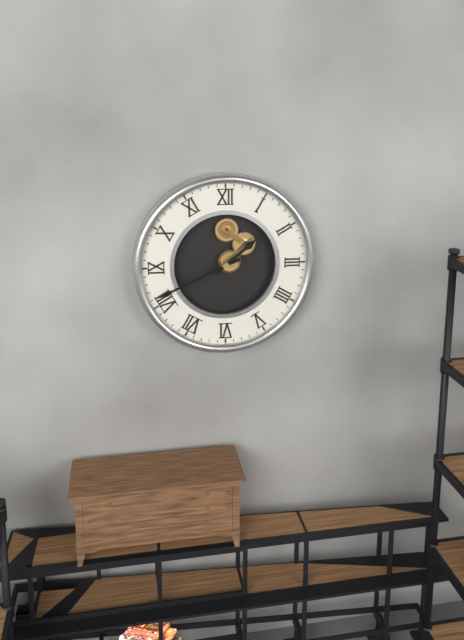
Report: 1:41
